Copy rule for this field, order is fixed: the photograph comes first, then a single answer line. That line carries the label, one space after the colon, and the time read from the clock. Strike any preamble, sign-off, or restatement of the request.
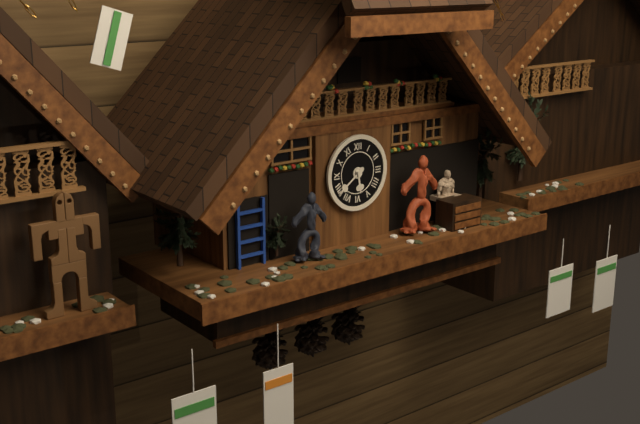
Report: 5:39
